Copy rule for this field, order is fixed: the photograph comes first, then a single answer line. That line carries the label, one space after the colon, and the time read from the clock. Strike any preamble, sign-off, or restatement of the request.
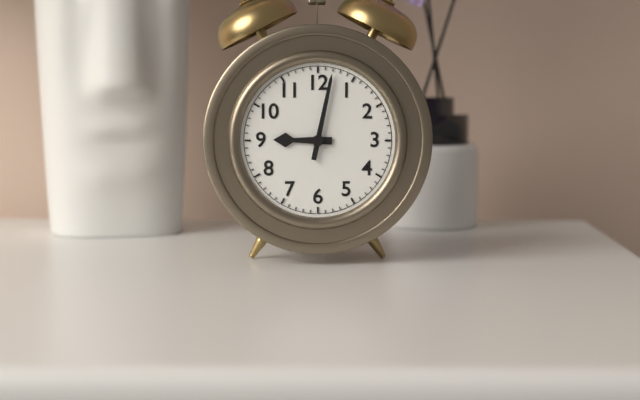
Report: 9:02
